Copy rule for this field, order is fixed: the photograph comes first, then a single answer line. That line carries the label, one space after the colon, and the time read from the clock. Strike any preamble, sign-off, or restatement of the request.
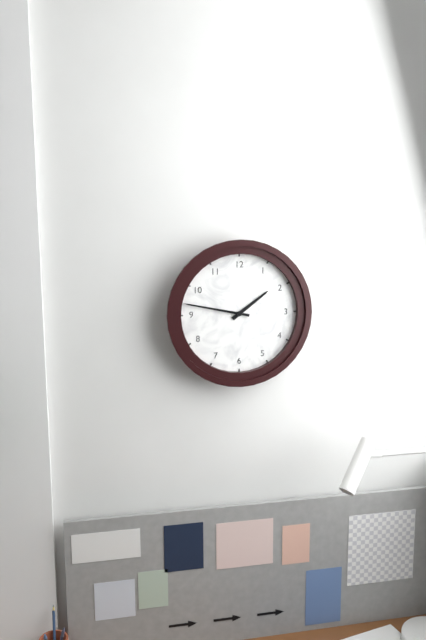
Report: 1:47
